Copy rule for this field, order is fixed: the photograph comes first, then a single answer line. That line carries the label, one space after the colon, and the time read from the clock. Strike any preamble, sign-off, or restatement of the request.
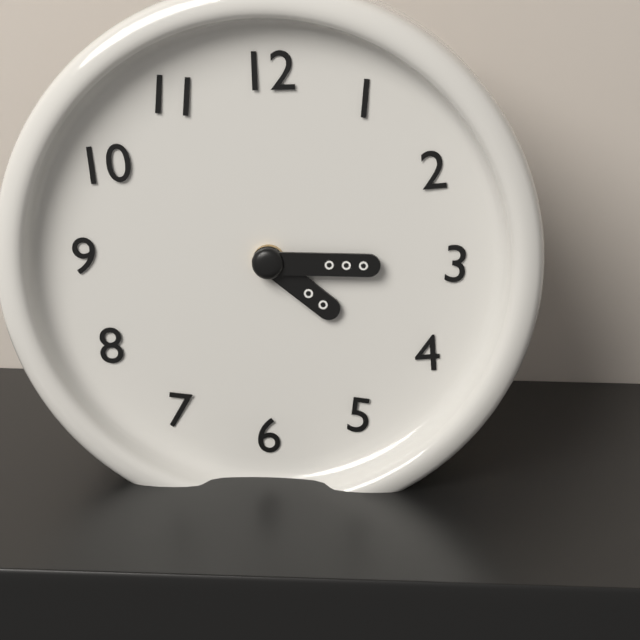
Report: 4:15
